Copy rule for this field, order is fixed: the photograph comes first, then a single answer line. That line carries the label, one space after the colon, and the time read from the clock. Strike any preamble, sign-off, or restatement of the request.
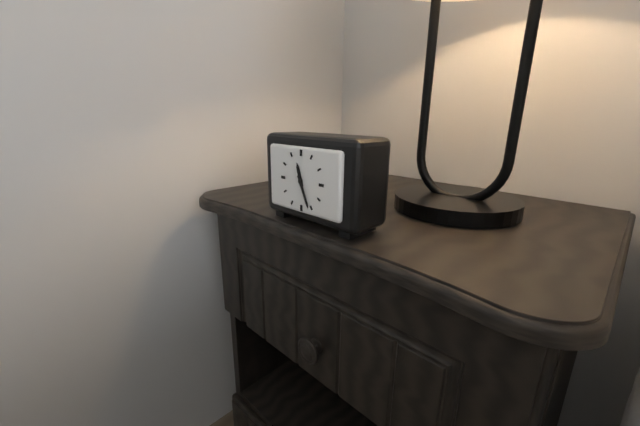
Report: 11:26
